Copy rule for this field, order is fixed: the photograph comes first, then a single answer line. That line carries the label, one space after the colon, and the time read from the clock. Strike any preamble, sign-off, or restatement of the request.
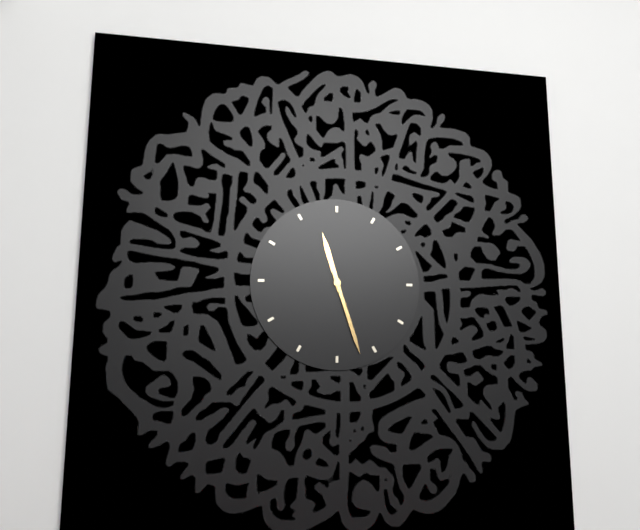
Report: 11:27
